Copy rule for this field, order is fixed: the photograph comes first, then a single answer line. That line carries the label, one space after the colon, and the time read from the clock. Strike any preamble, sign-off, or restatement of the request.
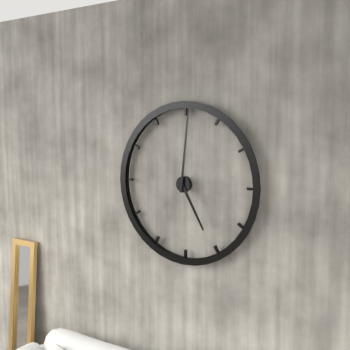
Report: 5:01
